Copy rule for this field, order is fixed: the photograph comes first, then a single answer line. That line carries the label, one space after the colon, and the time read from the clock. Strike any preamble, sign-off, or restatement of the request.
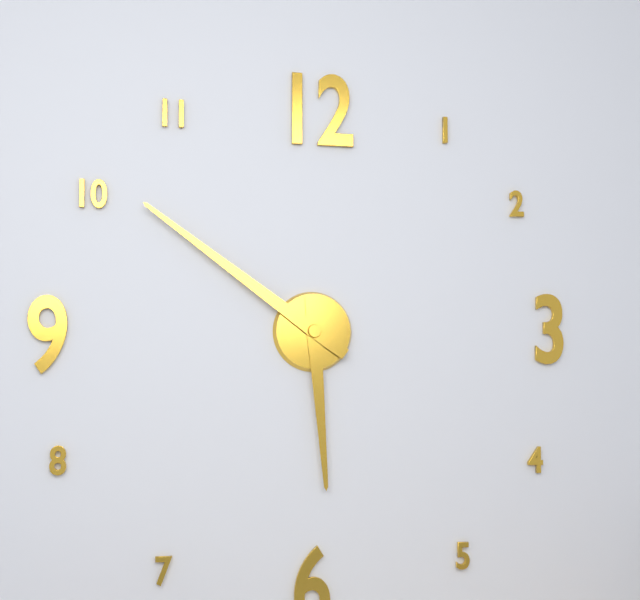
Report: 5:51
